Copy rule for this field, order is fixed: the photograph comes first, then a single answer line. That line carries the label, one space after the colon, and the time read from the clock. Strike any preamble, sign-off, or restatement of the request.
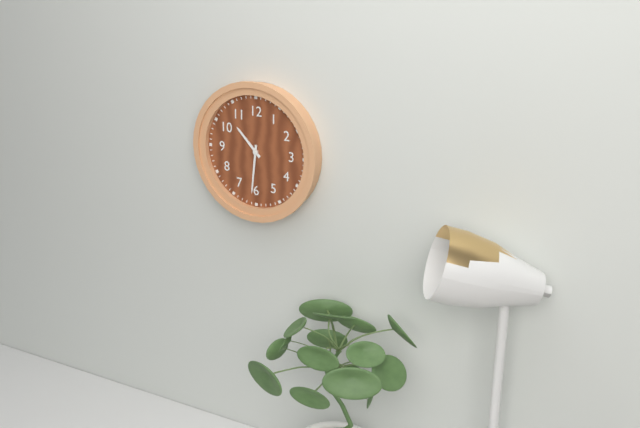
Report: 10:31
